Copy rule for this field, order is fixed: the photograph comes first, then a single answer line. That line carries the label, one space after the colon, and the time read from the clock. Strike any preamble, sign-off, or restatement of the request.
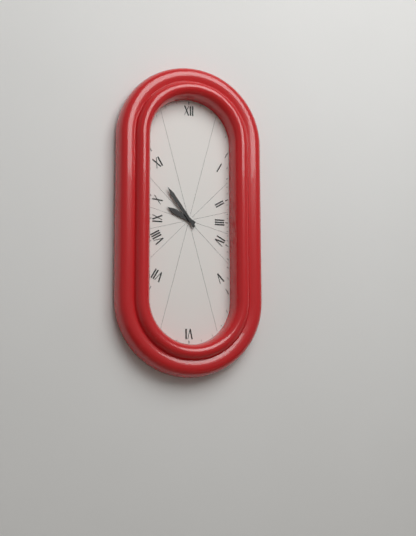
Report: 9:54
